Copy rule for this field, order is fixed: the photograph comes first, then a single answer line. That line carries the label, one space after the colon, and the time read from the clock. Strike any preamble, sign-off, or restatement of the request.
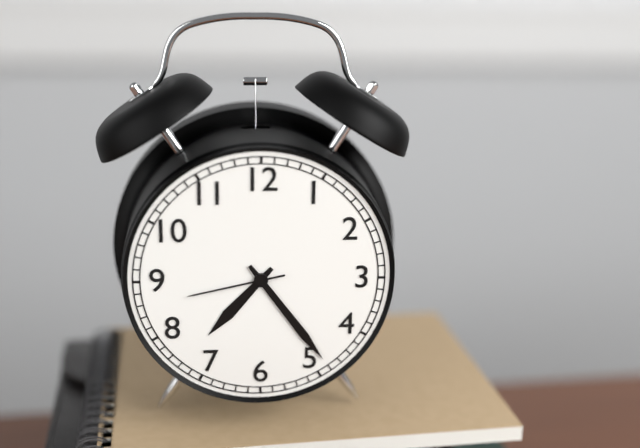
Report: 7:24:43
